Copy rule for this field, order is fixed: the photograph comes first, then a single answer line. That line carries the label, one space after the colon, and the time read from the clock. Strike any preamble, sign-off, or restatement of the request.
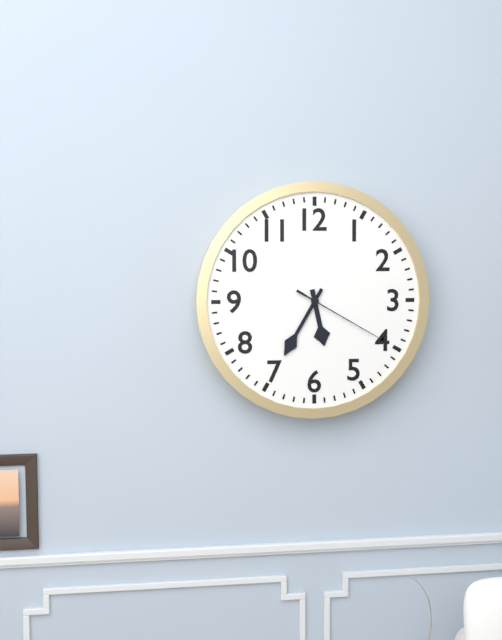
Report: 5:35:20
